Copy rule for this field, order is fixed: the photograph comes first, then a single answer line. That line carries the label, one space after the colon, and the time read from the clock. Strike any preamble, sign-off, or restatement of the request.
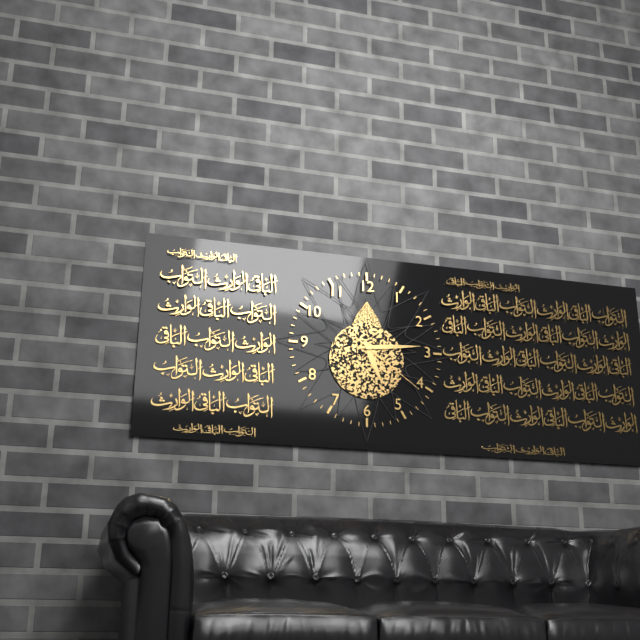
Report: 5:14:21
